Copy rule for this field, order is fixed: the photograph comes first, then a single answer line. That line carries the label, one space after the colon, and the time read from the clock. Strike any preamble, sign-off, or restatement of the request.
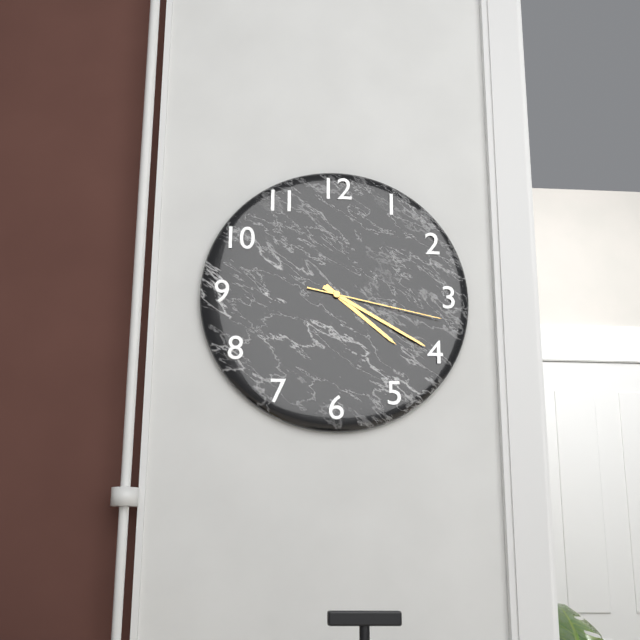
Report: 4:20:17
